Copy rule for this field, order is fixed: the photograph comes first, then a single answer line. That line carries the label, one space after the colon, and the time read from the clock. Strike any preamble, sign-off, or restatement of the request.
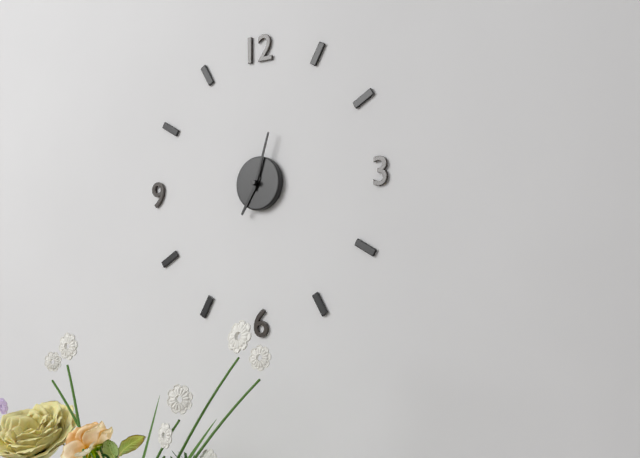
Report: 7:03
